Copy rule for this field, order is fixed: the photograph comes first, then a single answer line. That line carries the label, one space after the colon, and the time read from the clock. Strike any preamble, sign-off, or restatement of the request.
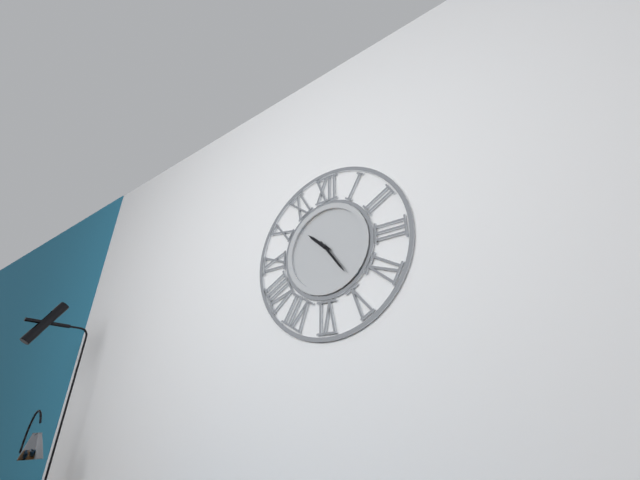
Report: 10:24
